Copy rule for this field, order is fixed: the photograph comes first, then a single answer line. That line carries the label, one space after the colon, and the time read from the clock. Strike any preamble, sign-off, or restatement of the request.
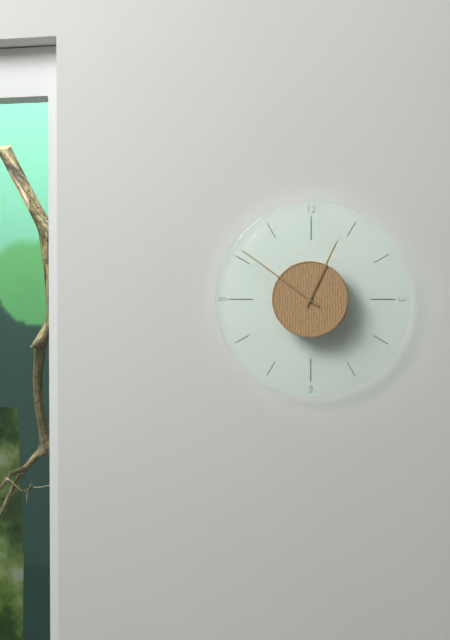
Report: 12:51
